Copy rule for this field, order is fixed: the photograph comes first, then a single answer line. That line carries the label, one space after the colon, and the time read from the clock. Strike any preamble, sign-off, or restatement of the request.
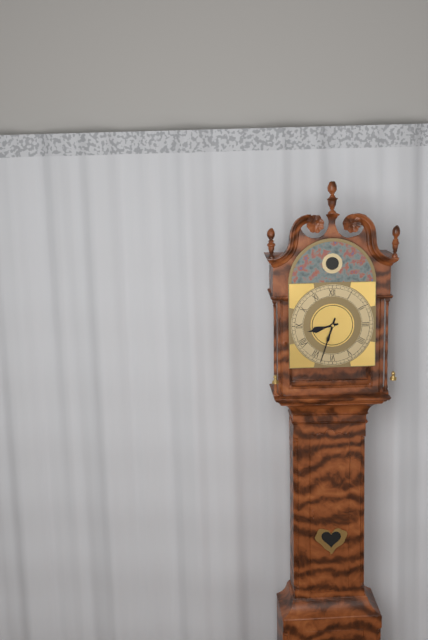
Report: 8:33
